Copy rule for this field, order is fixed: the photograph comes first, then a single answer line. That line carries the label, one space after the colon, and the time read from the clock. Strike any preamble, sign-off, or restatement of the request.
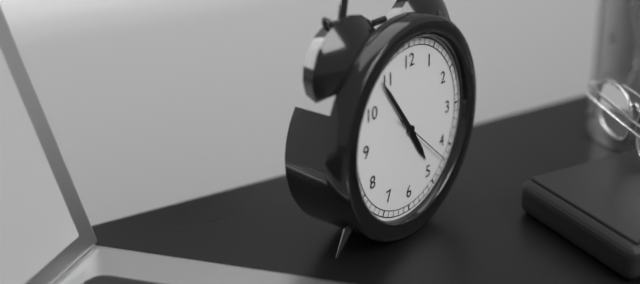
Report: 4:54:22
